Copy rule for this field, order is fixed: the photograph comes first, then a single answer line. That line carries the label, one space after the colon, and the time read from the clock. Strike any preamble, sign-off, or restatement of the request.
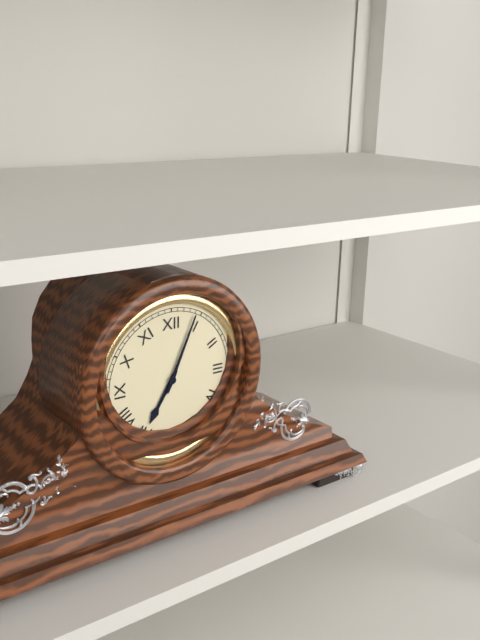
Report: 7:04
